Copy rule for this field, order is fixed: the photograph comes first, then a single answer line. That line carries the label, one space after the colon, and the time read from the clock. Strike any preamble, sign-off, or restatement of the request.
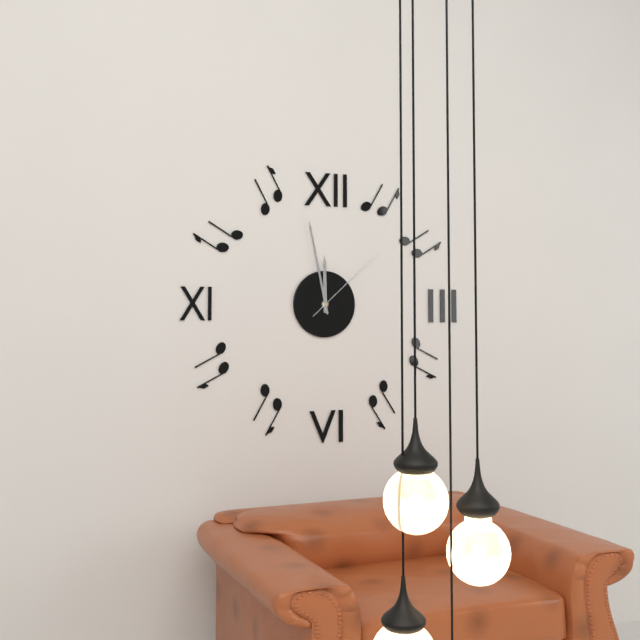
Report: 11:58:08
